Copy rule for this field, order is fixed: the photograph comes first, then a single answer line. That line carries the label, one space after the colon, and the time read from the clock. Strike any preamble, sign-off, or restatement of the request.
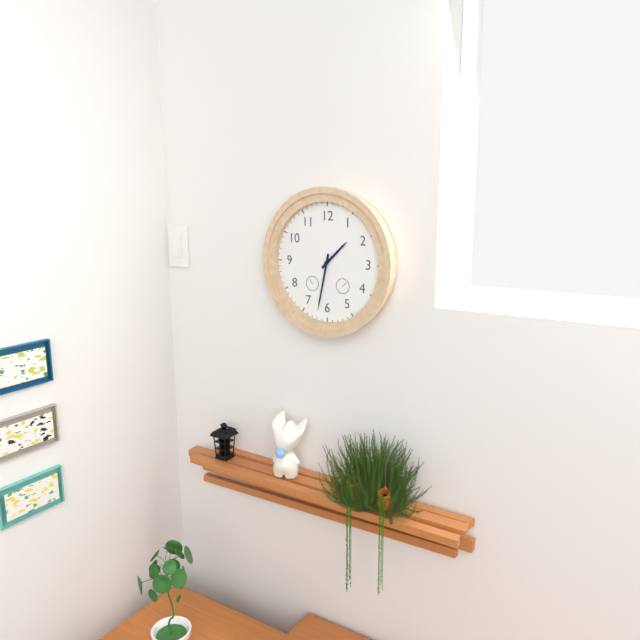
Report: 1:32
